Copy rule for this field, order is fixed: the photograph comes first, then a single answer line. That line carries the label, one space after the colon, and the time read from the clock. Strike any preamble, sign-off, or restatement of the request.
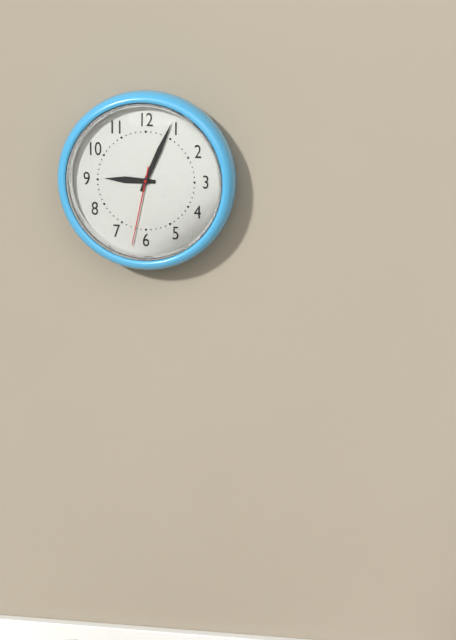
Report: 9:04:32
